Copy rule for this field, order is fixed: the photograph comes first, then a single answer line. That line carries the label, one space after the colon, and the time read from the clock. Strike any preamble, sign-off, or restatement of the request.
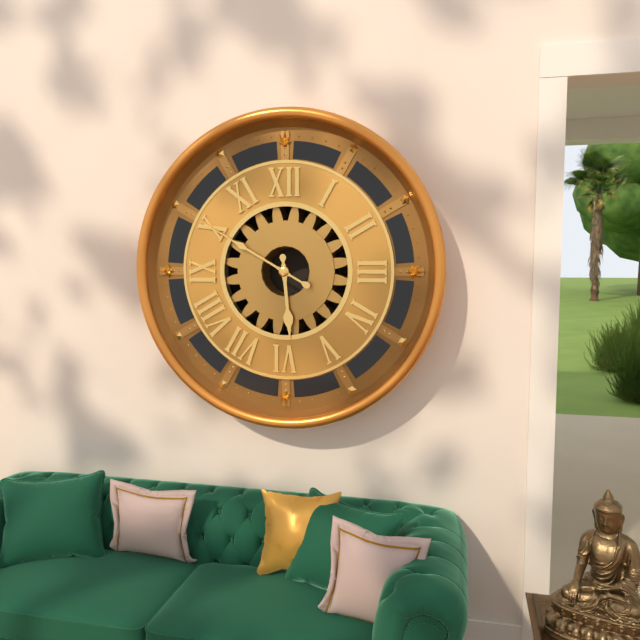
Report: 5:50
